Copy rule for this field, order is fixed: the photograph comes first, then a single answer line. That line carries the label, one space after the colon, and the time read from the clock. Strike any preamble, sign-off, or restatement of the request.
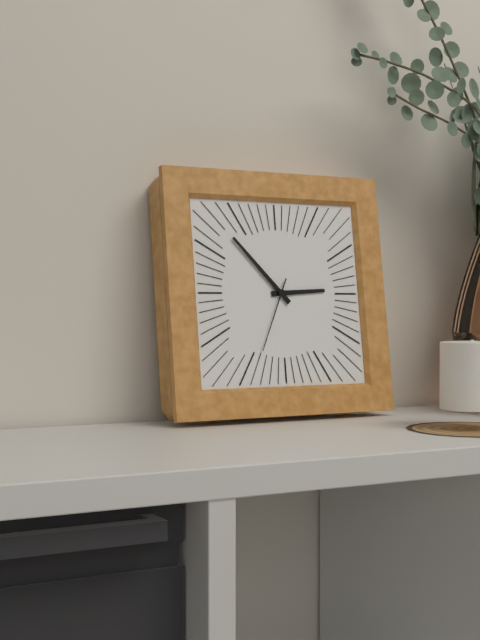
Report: 2:53:34
